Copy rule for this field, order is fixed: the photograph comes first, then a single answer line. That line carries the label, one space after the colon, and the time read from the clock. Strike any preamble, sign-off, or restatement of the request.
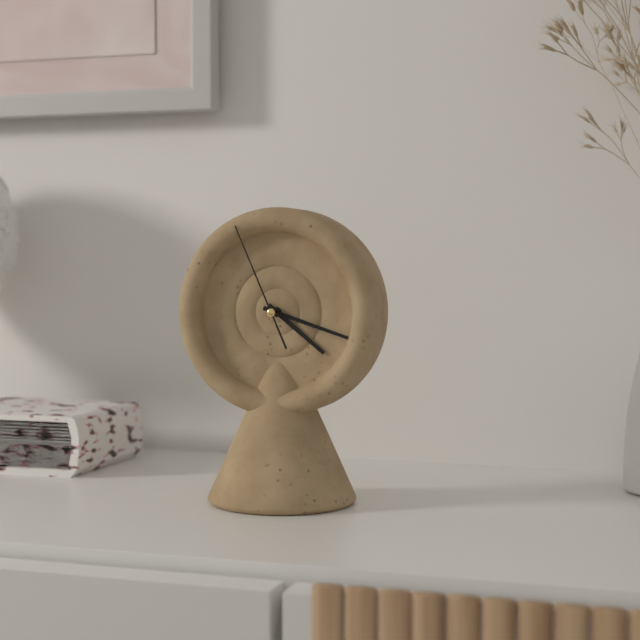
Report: 4:18:56
